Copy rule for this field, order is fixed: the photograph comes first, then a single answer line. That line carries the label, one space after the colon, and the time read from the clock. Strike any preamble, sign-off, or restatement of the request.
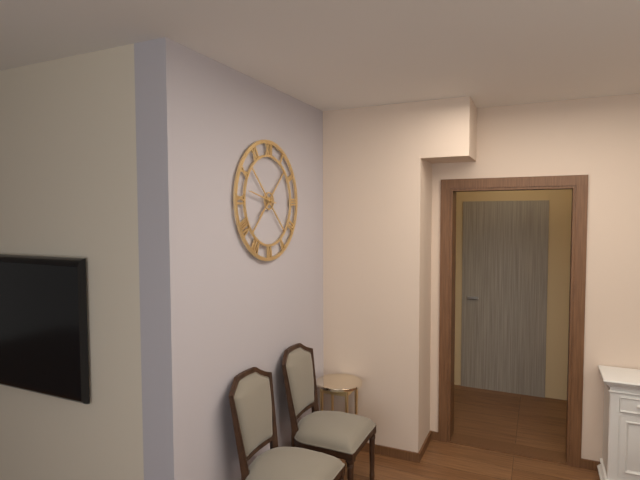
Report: 7:47
